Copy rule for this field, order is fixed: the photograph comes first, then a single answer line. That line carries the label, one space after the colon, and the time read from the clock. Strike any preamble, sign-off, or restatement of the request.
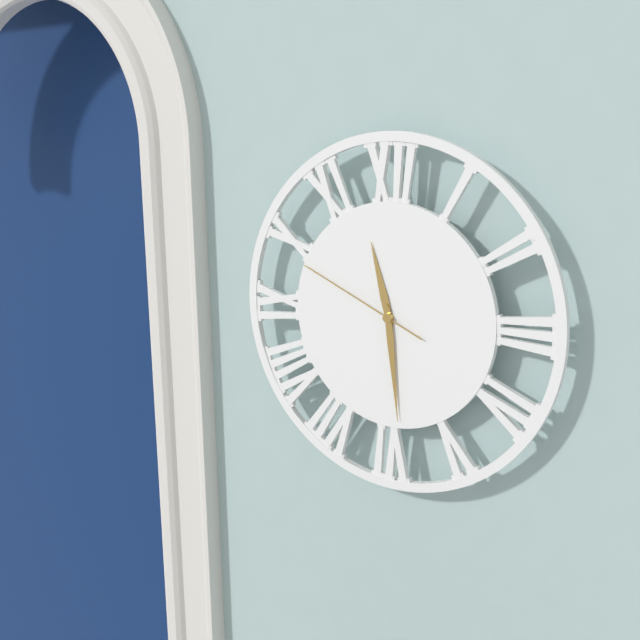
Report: 11:29:49
